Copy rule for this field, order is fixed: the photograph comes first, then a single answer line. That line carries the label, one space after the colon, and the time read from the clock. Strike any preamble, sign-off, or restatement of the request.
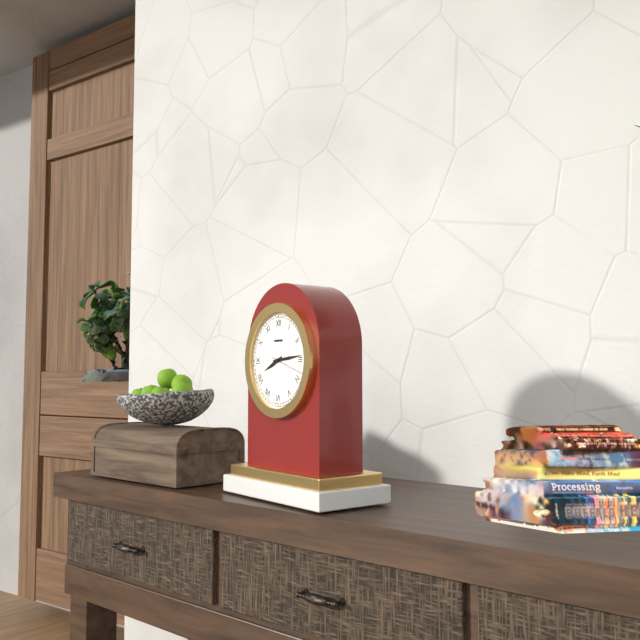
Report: 8:14
